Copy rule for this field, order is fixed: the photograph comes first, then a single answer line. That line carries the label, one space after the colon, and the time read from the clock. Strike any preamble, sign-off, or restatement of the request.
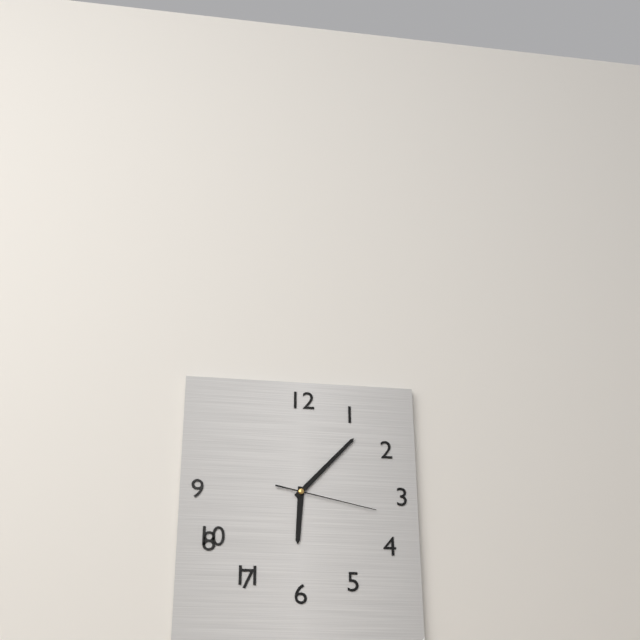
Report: 6:07:17
